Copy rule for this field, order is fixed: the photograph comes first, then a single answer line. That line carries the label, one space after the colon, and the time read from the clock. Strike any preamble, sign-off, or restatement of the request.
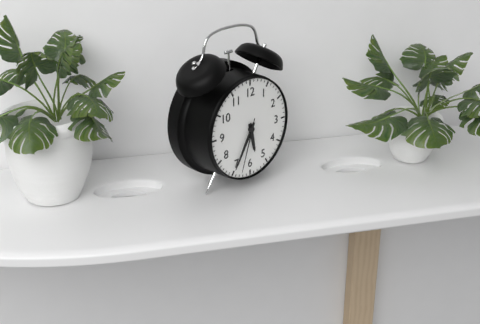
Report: 5:35:33
